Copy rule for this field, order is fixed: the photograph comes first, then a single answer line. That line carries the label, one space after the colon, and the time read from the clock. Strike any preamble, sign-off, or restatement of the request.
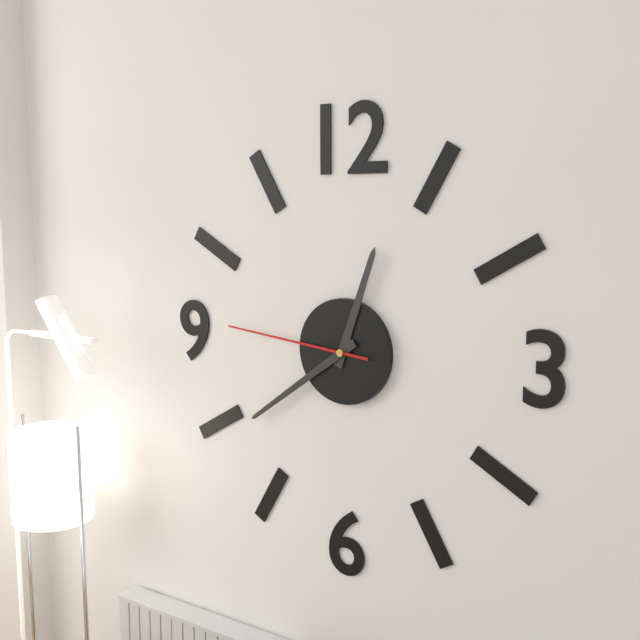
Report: 12:39:46
